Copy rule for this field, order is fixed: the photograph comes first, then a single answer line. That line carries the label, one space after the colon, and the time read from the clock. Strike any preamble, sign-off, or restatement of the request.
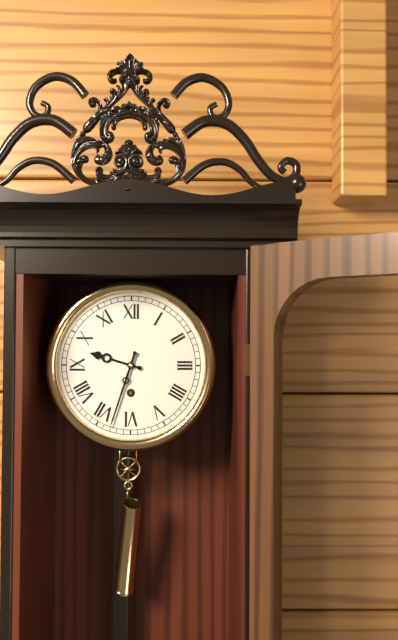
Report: 9:33
